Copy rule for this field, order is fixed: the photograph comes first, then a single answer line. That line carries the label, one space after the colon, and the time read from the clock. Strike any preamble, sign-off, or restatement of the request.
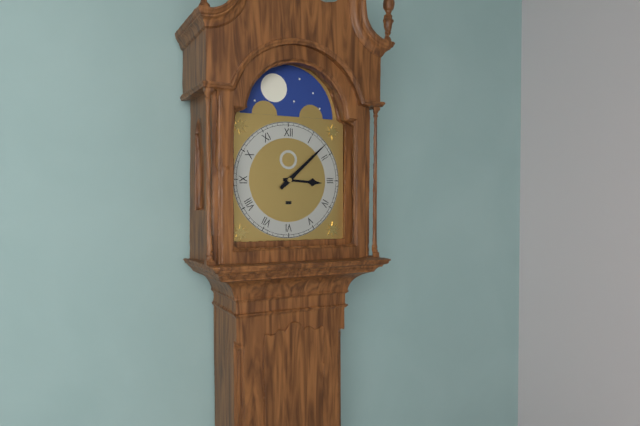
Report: 3:08
